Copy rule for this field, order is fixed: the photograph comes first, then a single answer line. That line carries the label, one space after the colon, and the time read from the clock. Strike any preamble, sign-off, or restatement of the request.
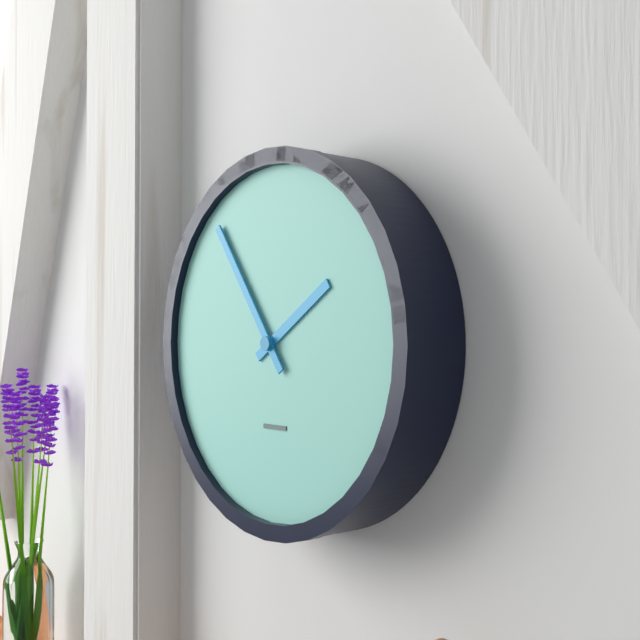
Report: 1:54
